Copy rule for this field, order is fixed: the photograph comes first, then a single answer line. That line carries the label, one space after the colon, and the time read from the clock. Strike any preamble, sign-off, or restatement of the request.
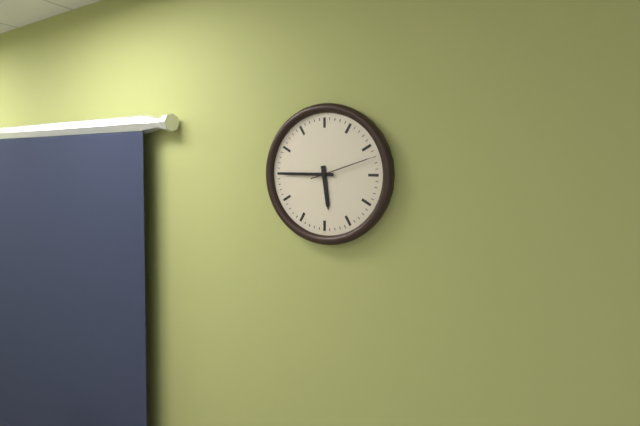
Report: 5:45:12
